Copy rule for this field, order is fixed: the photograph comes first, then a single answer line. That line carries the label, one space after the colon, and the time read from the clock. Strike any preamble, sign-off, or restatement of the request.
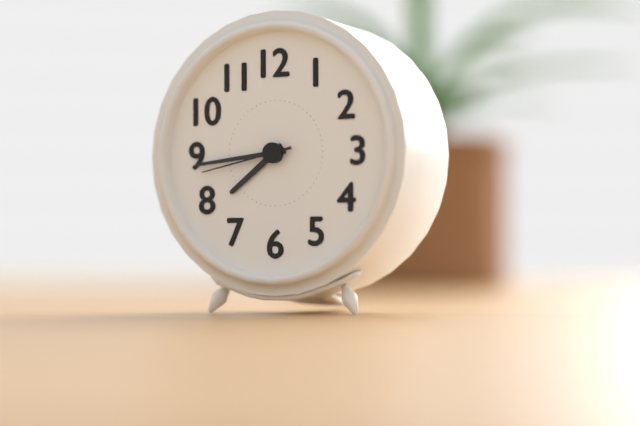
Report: 7:44:43
